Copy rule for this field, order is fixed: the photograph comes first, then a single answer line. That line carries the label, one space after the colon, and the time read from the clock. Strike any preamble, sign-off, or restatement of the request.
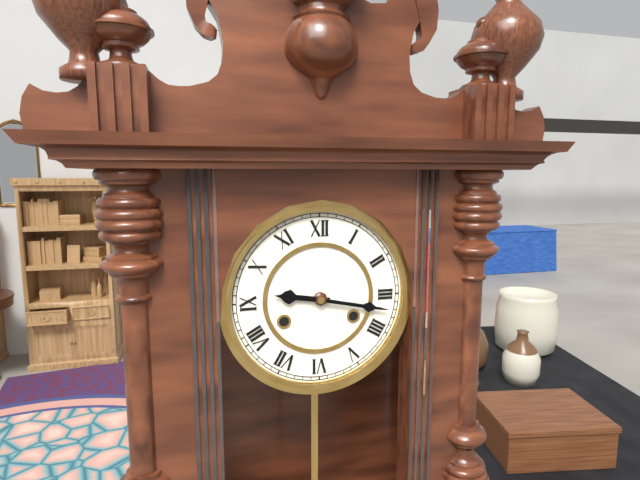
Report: 9:17
